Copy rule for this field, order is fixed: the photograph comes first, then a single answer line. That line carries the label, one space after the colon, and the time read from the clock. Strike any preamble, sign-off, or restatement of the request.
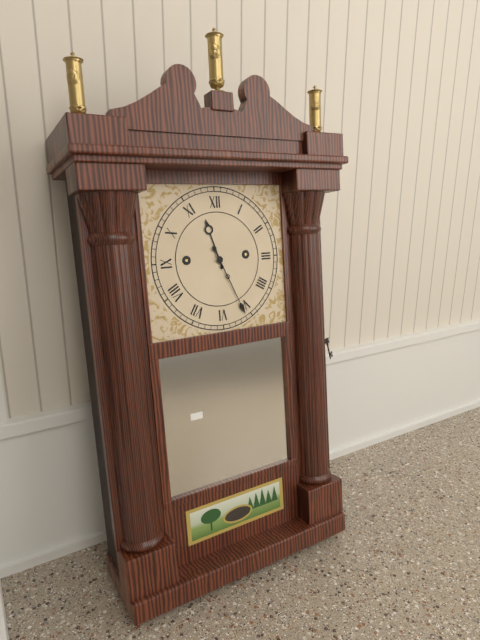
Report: 11:26
